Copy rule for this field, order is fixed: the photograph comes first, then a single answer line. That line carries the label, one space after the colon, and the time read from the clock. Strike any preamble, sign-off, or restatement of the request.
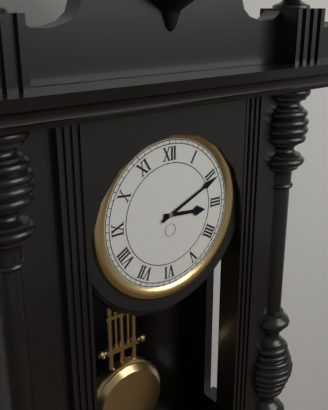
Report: 3:11
